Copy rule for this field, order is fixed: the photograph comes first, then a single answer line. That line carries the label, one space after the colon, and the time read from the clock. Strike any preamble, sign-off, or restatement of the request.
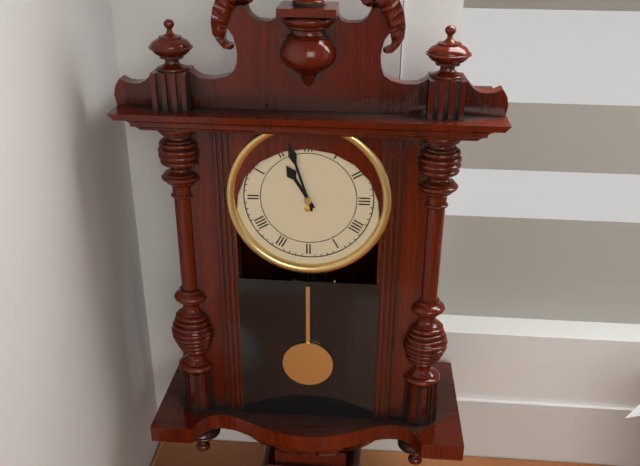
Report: 10:57
